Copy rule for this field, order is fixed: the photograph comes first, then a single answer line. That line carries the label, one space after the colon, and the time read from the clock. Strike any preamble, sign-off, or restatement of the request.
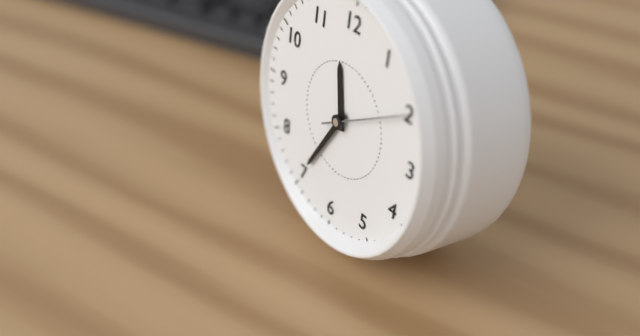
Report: 11:35:10
